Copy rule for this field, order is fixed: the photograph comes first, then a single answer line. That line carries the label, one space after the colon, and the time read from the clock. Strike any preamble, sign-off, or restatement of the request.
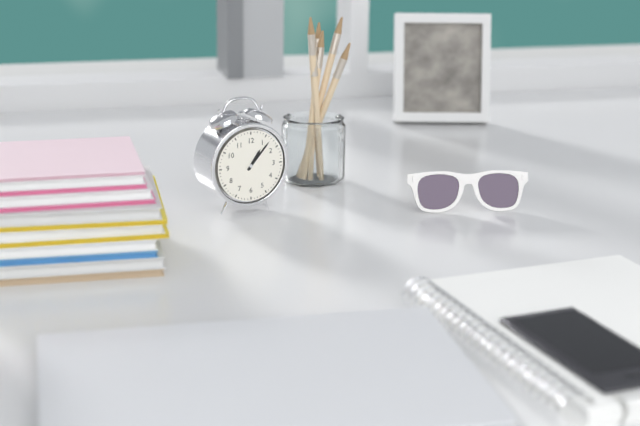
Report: 1:07
